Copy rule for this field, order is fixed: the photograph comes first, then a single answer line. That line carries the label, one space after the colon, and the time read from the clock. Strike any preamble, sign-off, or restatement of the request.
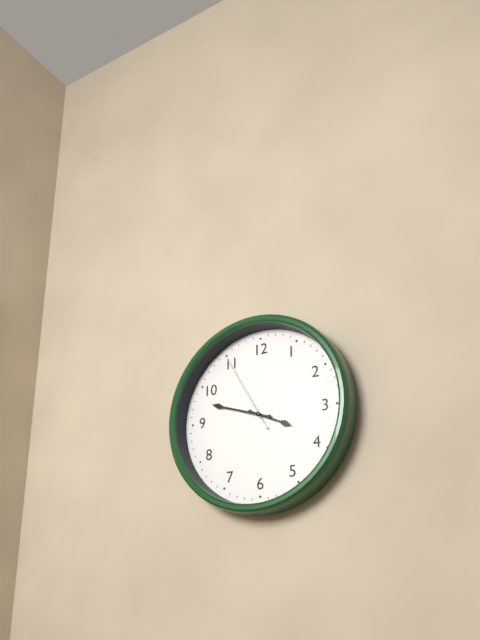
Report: 3:48:55
